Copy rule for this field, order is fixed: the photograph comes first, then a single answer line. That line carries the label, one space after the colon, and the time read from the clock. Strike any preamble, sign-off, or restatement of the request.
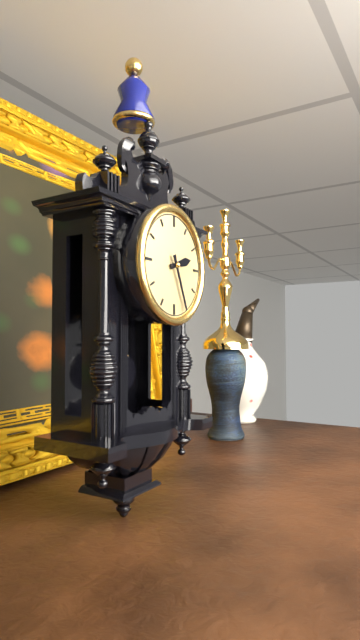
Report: 2:26
